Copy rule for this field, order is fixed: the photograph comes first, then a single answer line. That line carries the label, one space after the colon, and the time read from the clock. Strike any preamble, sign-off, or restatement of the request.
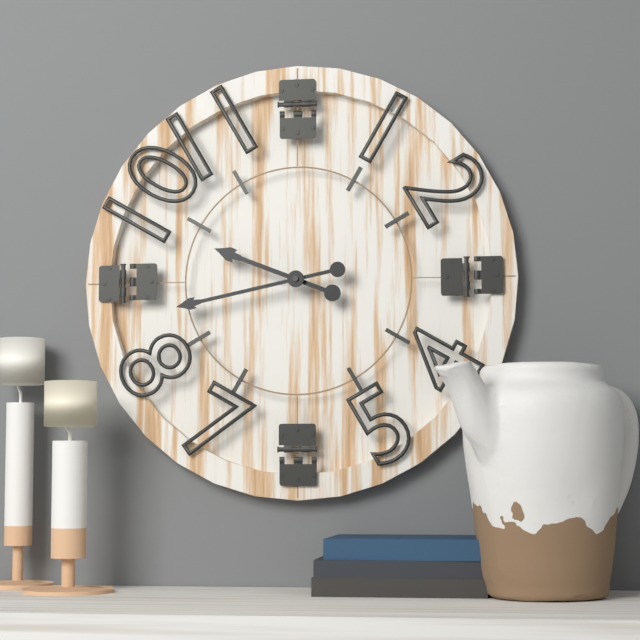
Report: 9:43
